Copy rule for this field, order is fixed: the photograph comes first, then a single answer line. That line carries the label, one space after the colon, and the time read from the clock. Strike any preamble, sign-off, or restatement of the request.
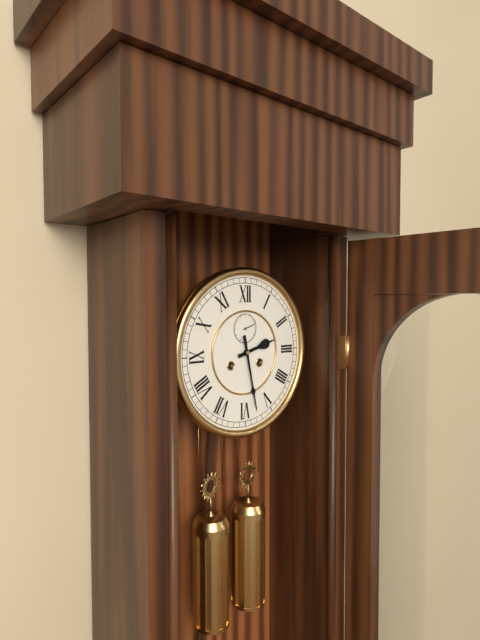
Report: 2:28
